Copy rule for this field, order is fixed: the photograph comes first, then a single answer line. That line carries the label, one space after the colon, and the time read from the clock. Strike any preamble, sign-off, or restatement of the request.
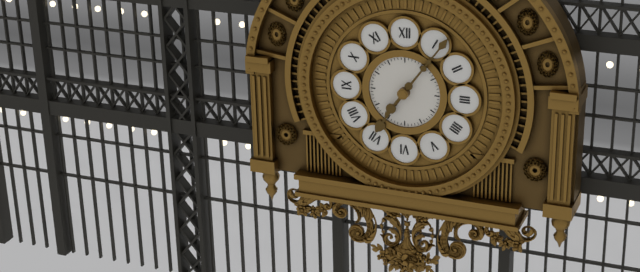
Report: 7:06
